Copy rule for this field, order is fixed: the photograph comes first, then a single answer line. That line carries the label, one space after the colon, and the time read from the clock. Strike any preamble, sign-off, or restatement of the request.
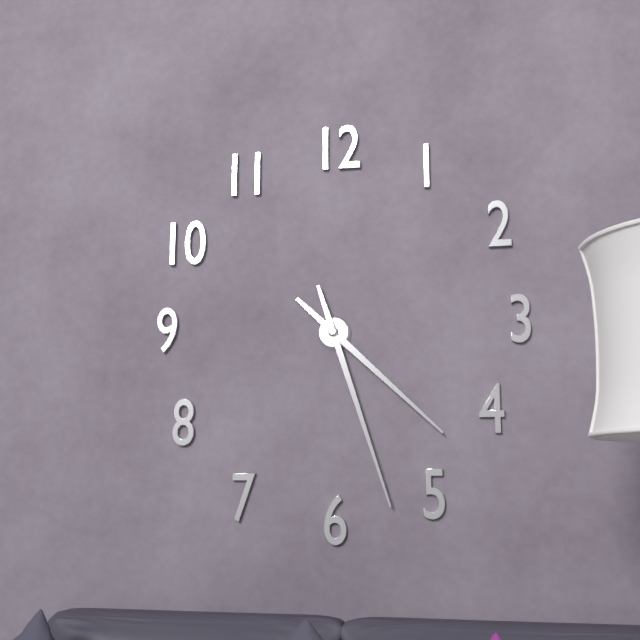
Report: 4:27
